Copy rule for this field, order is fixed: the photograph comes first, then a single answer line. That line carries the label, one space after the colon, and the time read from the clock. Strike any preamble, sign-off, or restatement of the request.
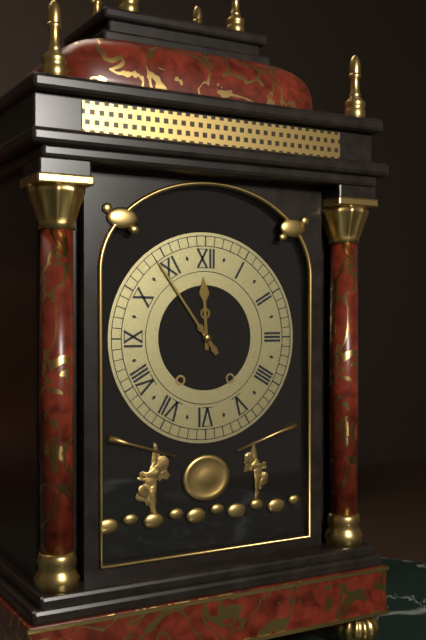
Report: 11:54
